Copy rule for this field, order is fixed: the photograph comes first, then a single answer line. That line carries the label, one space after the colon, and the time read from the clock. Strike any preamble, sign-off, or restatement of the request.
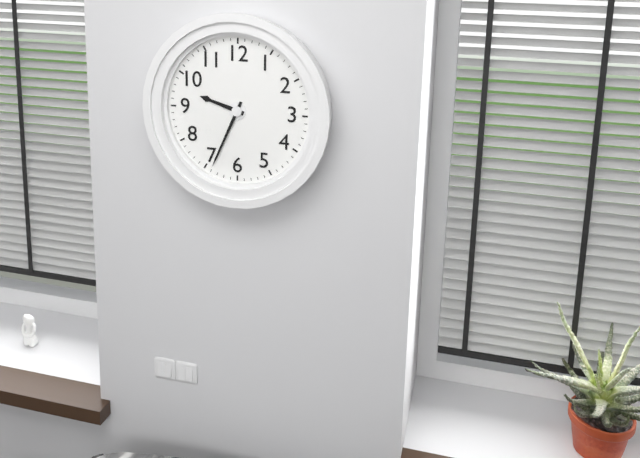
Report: 9:34
